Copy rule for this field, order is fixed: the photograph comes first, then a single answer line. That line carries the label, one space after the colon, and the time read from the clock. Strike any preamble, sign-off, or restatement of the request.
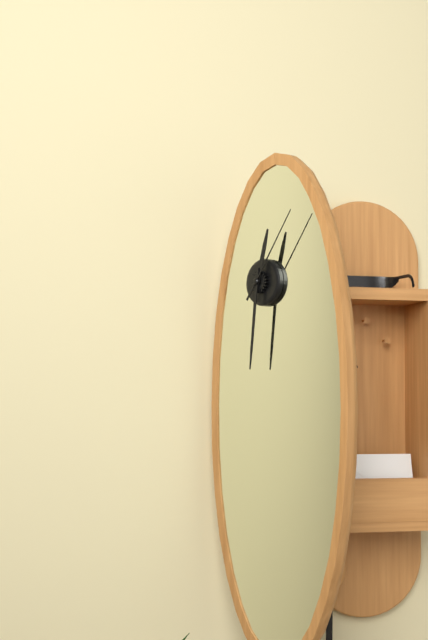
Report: 12:31:06
